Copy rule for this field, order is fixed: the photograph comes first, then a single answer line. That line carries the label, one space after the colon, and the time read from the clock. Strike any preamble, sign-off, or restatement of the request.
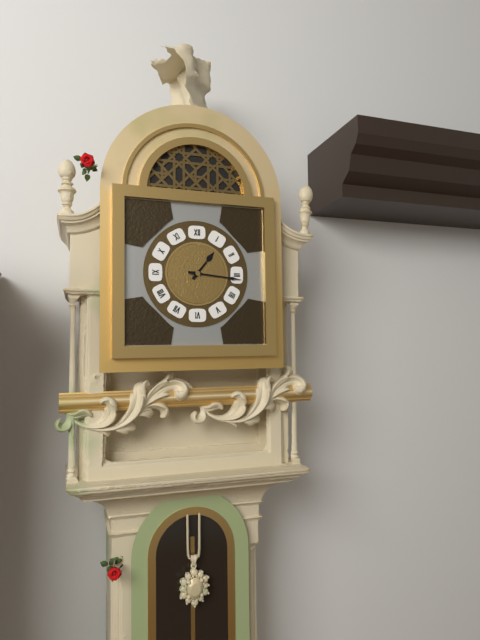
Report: 1:16
